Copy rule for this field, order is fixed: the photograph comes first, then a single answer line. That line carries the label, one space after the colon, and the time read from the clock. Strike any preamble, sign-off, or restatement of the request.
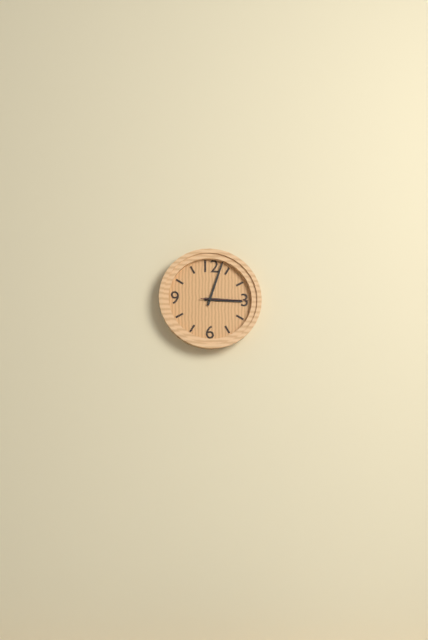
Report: 3:03
